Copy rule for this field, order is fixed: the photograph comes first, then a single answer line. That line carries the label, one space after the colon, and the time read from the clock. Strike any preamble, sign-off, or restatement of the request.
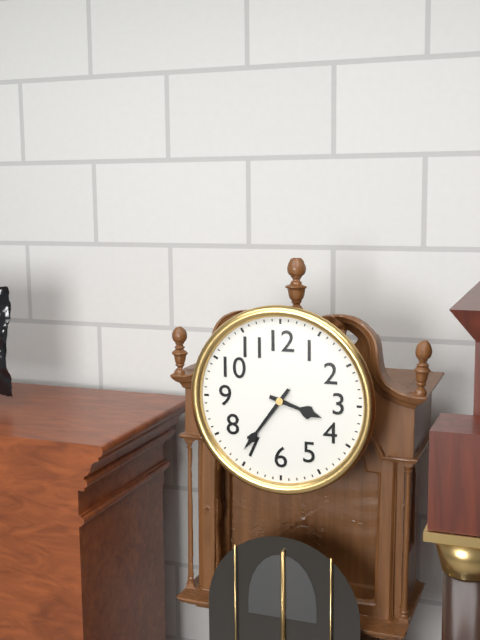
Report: 3:36
